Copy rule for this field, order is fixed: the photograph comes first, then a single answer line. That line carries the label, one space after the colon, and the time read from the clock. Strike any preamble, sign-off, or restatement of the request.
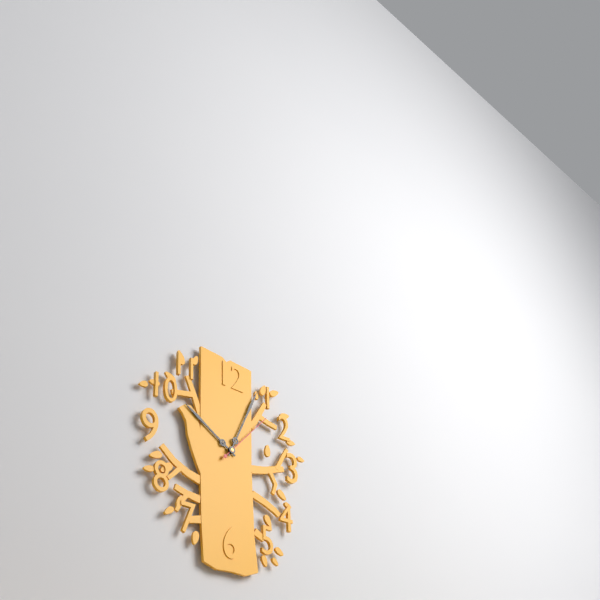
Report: 10:04:07
